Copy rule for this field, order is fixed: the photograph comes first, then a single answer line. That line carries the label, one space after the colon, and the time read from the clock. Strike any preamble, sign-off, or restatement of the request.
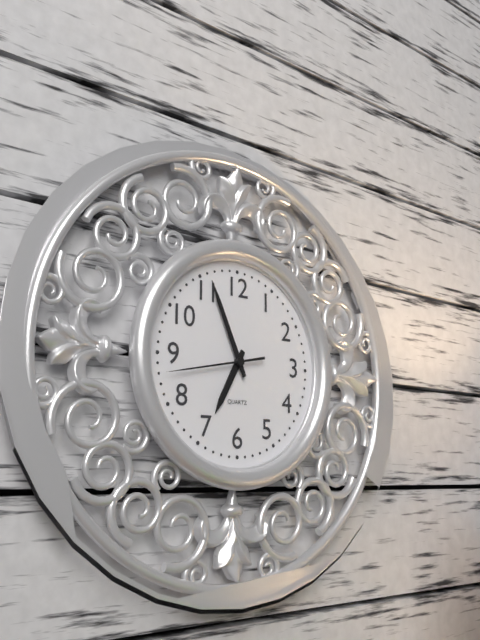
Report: 6:56:43
